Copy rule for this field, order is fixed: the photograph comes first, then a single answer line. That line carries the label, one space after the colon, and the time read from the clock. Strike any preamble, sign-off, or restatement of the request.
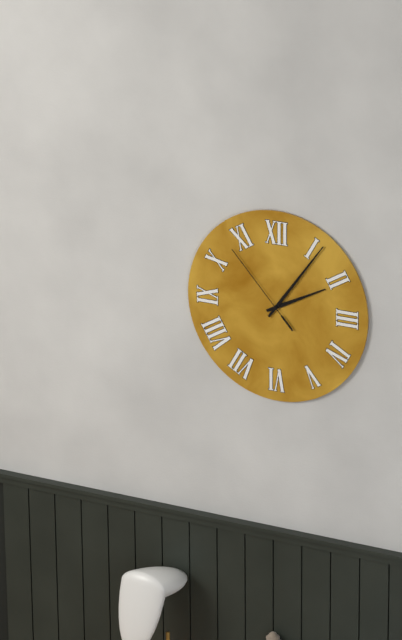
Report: 2:06:53
